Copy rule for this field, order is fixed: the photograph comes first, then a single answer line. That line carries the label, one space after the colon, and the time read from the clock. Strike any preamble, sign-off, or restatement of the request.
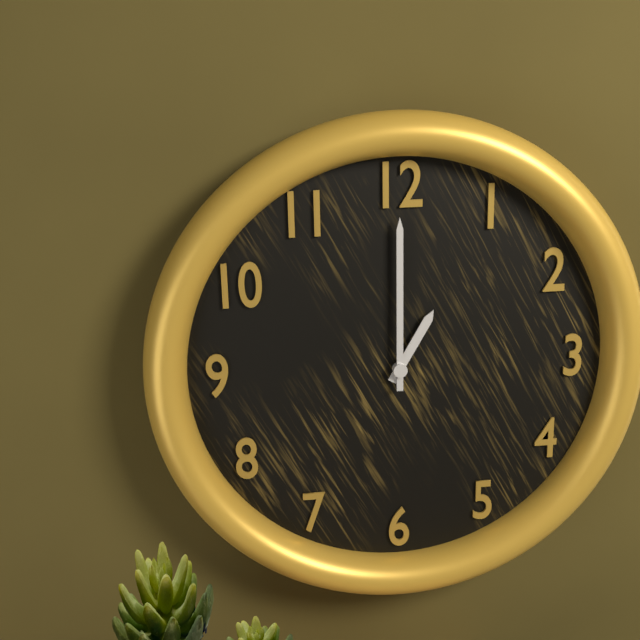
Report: 1:00
